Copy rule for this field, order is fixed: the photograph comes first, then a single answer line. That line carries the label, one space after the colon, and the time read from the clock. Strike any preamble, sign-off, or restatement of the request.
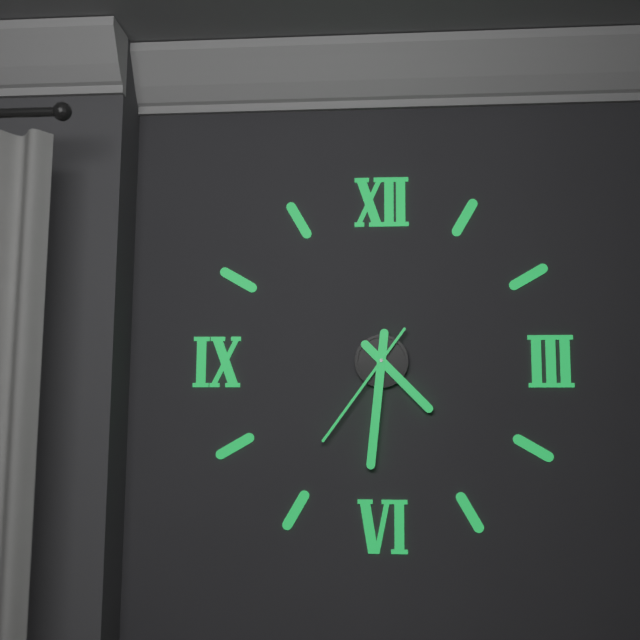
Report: 4:31:36
